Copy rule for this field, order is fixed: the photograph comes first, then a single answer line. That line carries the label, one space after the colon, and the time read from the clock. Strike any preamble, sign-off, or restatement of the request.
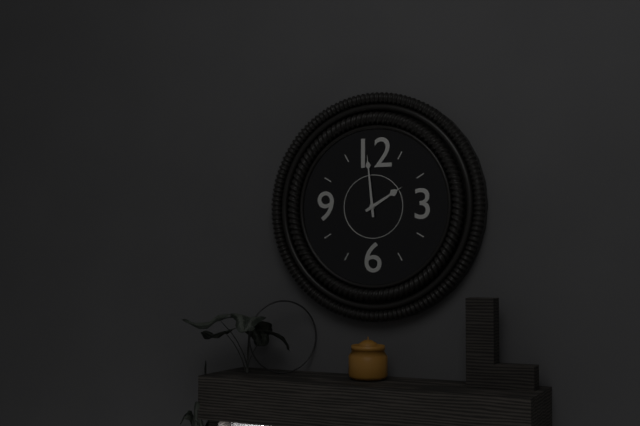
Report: 1:59
